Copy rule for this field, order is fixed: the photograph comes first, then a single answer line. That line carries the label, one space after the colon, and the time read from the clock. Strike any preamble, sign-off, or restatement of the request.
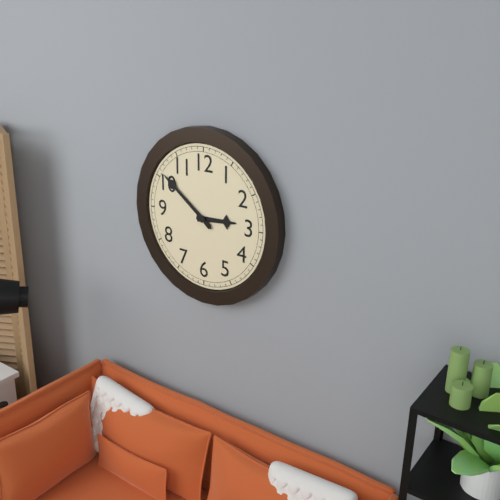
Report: 2:51
